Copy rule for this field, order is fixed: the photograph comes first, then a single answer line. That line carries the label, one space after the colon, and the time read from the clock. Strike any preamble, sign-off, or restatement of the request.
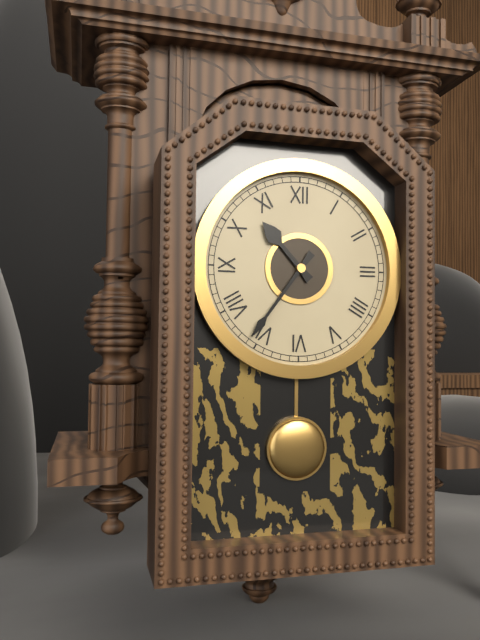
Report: 10:36
